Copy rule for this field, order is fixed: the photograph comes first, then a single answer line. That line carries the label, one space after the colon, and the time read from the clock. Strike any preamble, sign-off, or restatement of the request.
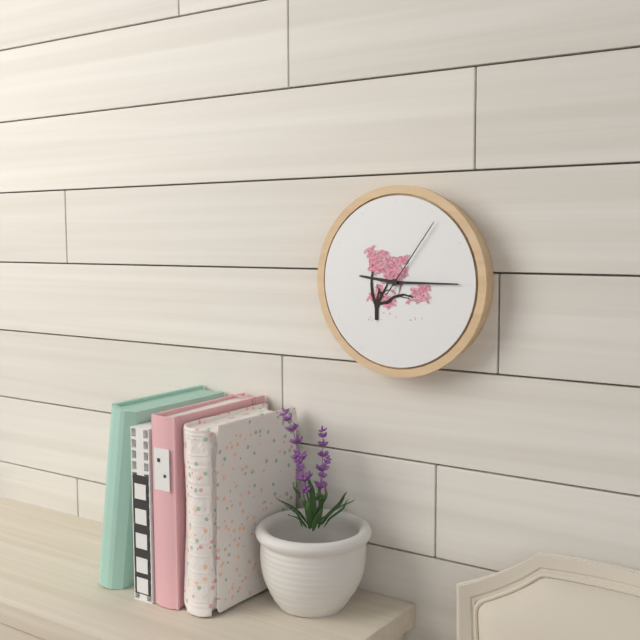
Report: 9:15:06
